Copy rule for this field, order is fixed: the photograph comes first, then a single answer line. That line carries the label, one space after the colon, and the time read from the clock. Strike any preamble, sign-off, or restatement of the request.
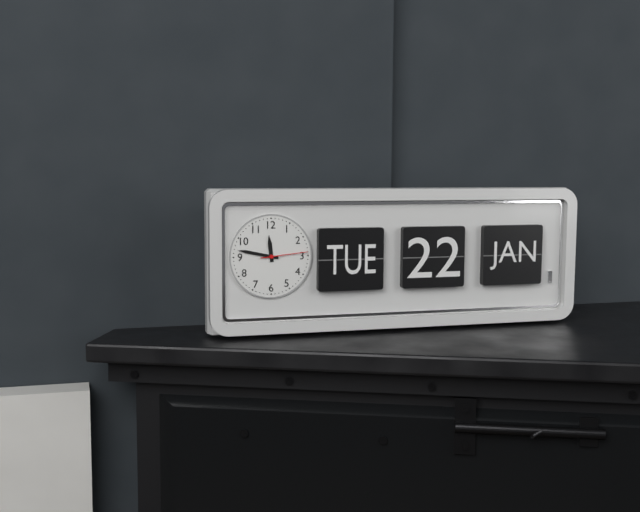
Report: 11:47
